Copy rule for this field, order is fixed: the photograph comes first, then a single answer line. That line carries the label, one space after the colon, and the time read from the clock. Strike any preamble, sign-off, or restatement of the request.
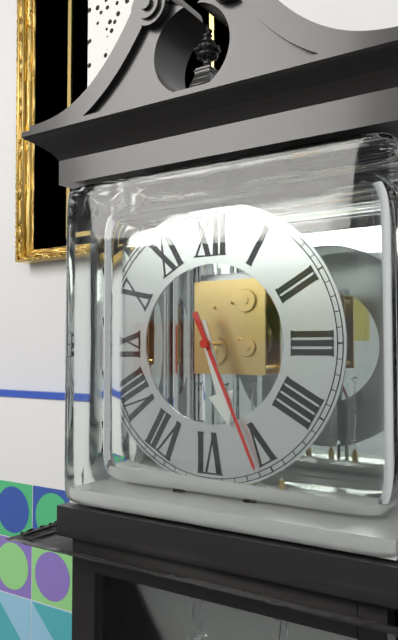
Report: 5:26
